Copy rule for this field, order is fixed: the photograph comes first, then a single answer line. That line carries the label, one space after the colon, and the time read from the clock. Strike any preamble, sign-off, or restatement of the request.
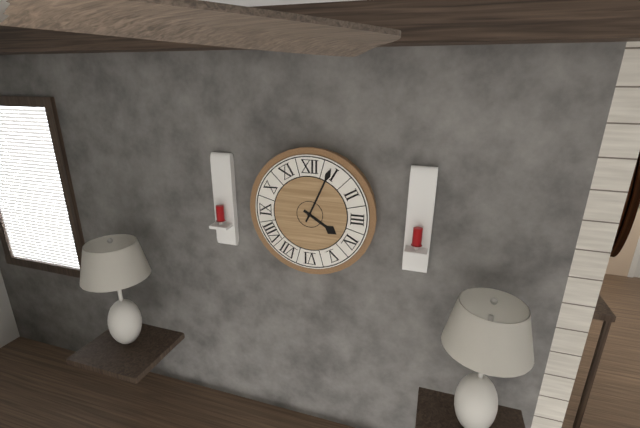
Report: 4:04
